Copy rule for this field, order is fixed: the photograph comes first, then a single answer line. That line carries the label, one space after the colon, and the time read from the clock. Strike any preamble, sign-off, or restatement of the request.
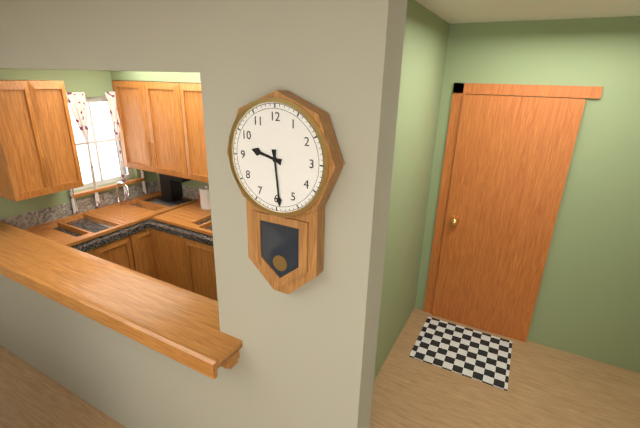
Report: 9:29
